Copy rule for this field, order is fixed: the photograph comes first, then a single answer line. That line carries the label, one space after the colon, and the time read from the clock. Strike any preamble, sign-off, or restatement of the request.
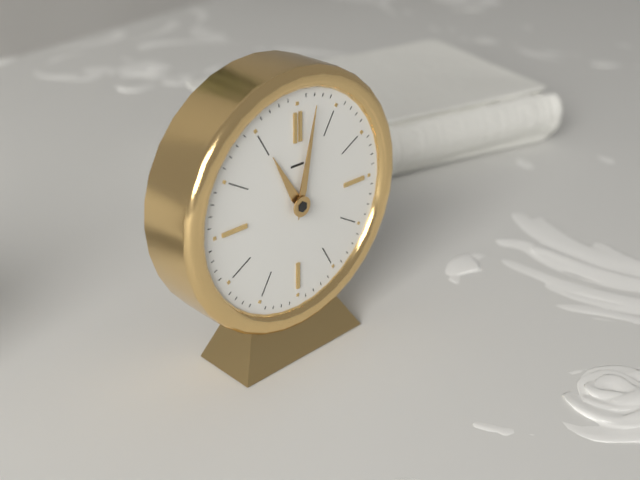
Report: 11:02
